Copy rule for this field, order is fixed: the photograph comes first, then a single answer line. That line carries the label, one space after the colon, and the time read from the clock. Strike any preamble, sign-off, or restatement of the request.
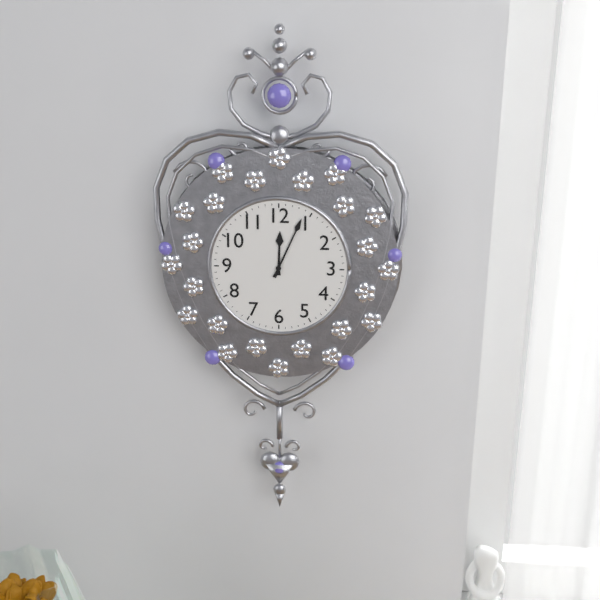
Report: 12:04
